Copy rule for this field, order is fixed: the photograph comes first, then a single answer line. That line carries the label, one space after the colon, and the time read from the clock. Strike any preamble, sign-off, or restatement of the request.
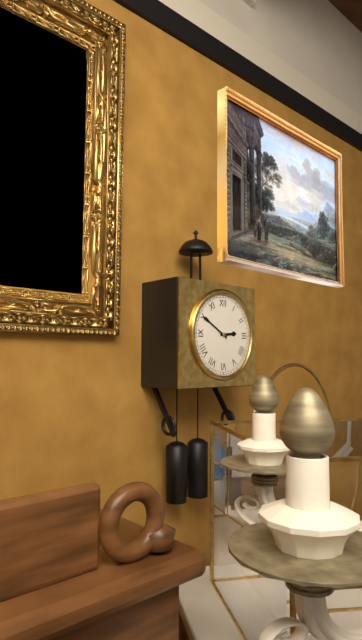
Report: 2:50
